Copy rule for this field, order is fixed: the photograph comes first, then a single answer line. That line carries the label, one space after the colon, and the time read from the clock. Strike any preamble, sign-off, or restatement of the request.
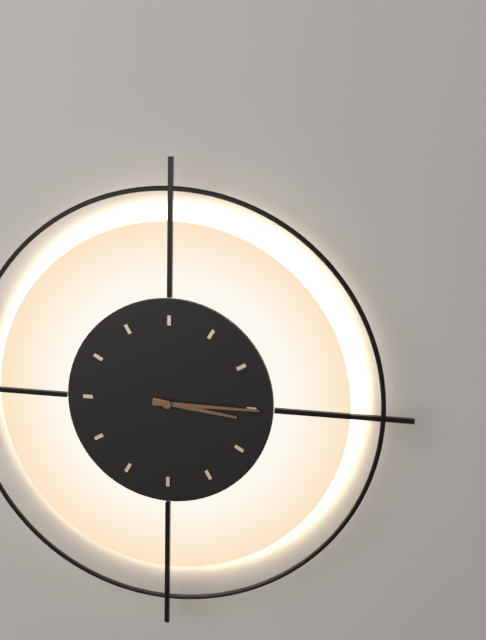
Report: 3:15
